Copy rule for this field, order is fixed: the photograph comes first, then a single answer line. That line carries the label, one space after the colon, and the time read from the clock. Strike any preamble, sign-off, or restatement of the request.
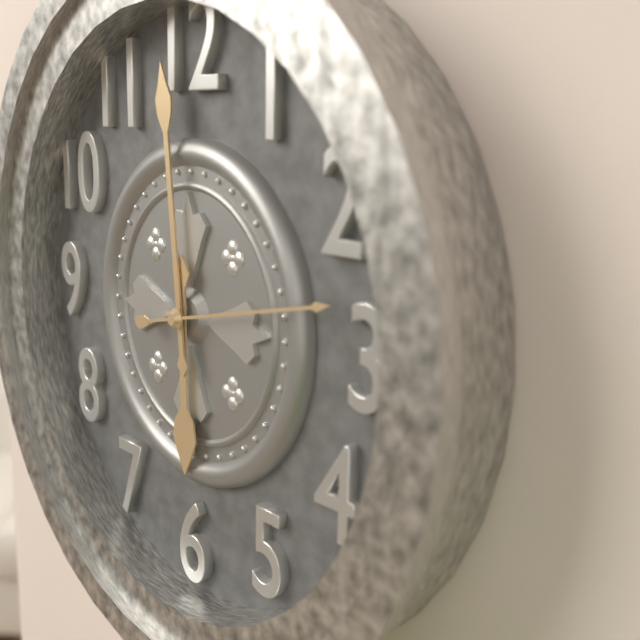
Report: 5:59:13
